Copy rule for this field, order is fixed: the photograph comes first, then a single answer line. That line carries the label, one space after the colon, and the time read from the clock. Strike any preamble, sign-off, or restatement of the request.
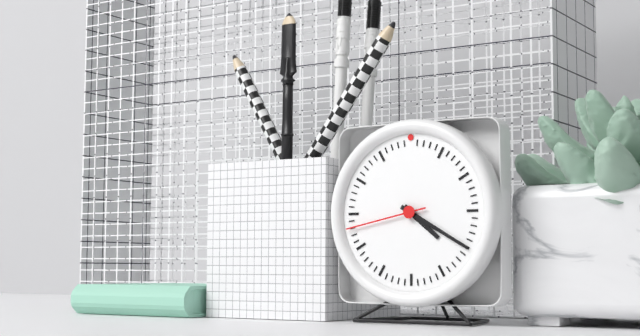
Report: 4:20:43
